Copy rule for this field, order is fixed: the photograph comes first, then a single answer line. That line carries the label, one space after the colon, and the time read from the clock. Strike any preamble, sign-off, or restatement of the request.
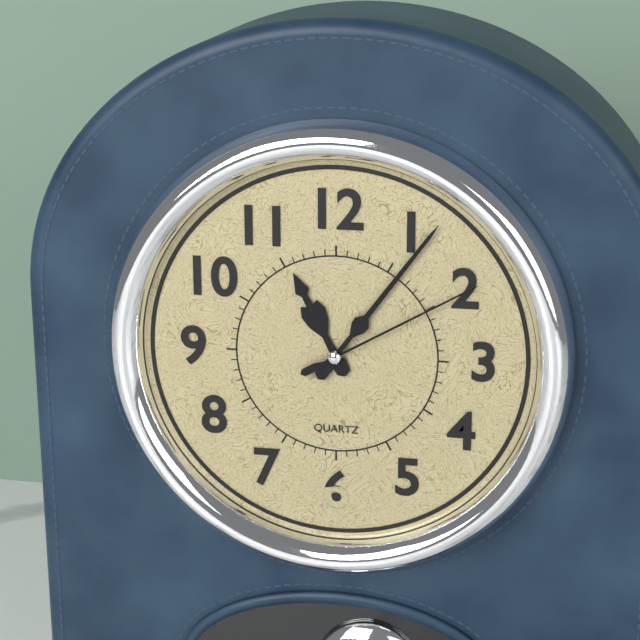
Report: 11:06:10
